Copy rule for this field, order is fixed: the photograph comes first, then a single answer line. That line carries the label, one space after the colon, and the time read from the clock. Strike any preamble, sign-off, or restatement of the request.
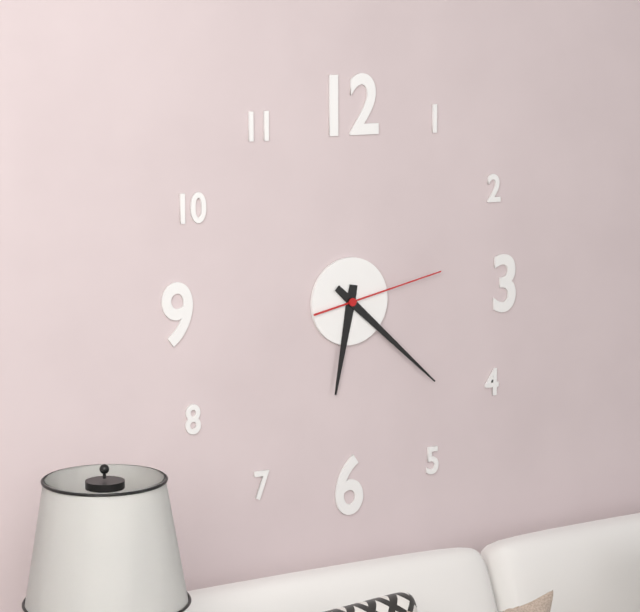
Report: 6:22:13
